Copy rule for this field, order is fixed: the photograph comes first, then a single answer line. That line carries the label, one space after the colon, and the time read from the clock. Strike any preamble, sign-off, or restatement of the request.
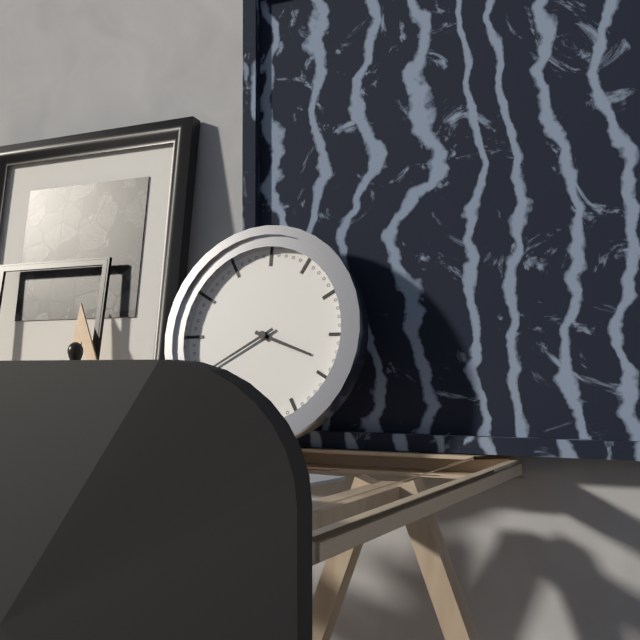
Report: 3:40
